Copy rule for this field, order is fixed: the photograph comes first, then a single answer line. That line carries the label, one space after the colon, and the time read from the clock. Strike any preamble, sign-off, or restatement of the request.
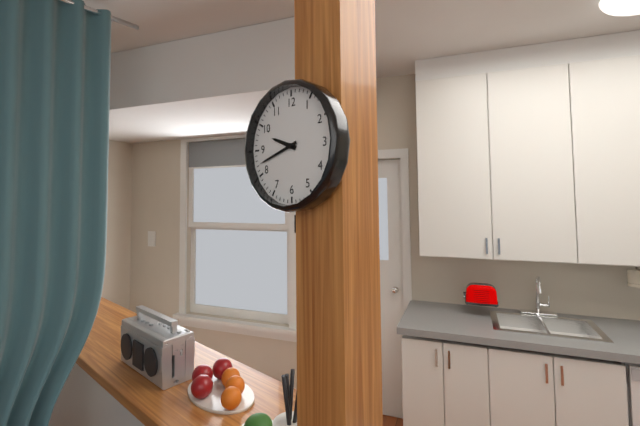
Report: 9:42
